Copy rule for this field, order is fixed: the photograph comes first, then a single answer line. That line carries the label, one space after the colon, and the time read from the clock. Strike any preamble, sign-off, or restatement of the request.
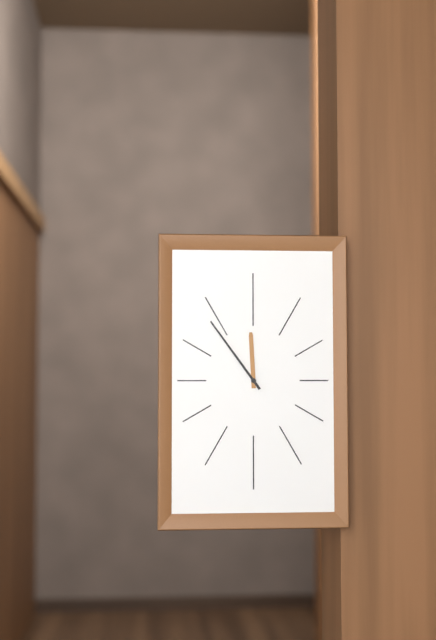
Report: 11:54
